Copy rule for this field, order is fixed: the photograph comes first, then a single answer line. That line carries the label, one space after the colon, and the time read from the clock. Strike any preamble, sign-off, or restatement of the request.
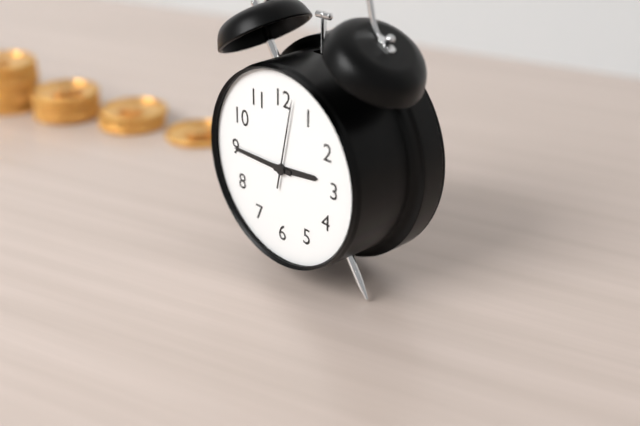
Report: 2:45:02
